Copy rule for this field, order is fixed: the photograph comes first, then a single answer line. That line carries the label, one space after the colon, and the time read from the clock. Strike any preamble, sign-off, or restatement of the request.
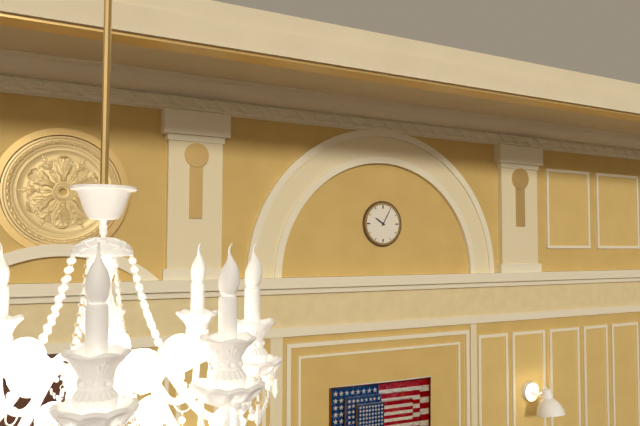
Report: 10:05
